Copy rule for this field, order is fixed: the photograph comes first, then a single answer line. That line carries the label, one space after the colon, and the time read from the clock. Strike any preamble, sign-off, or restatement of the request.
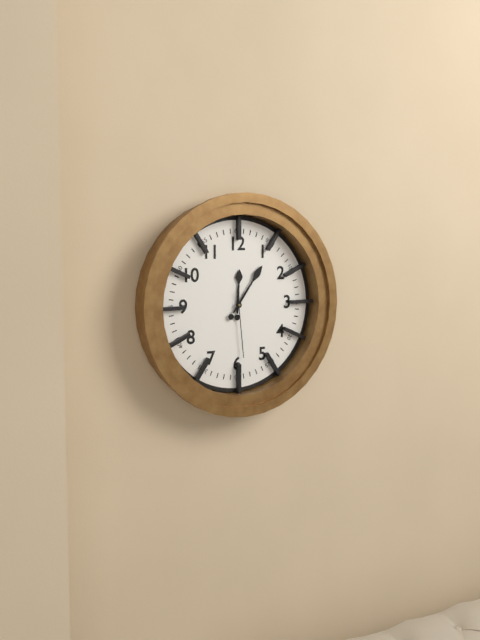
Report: 12:06:29
